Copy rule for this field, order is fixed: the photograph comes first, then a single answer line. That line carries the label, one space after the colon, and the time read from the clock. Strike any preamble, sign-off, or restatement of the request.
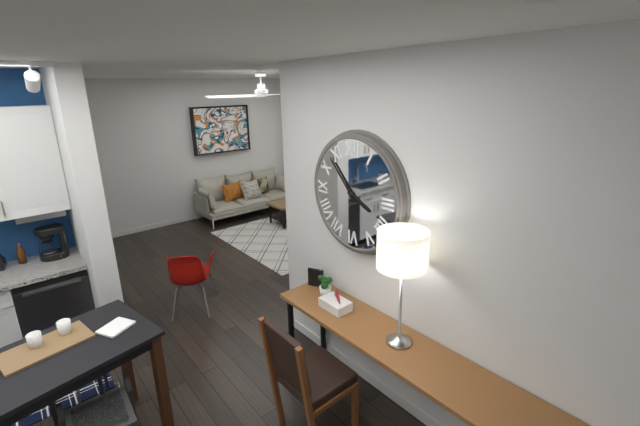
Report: 3:53
